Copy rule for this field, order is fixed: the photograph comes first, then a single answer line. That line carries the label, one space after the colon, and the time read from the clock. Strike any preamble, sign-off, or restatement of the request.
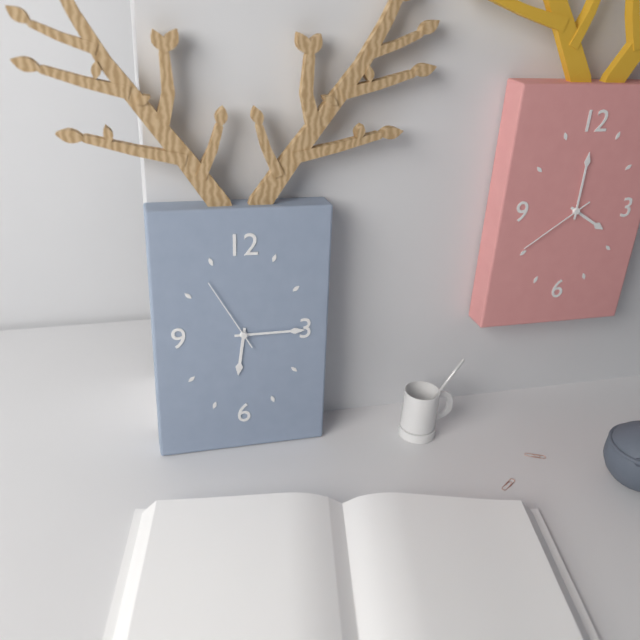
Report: 6:15:55
